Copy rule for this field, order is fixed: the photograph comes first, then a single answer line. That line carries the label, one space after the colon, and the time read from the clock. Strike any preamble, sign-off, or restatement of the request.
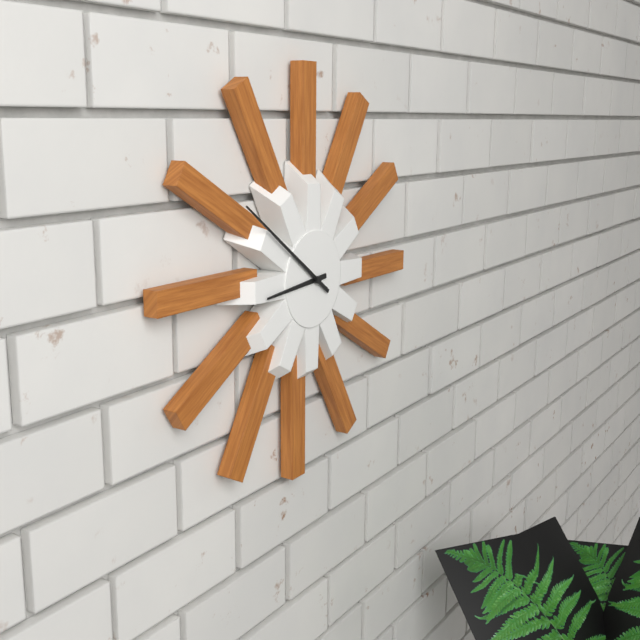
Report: 8:51
